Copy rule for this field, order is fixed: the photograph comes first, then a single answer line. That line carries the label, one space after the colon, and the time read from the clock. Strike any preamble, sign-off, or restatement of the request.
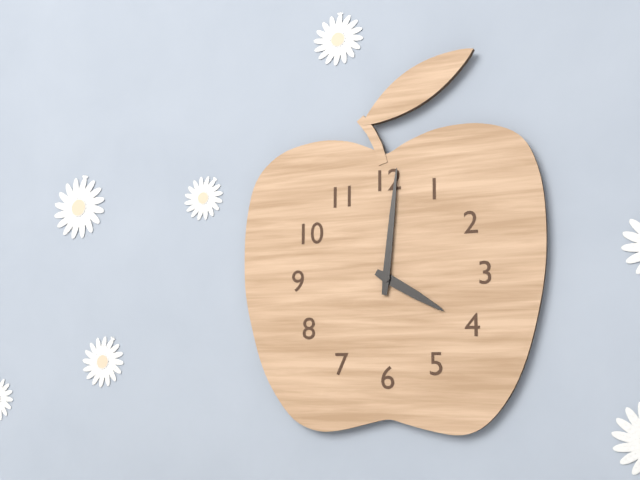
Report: 4:01
